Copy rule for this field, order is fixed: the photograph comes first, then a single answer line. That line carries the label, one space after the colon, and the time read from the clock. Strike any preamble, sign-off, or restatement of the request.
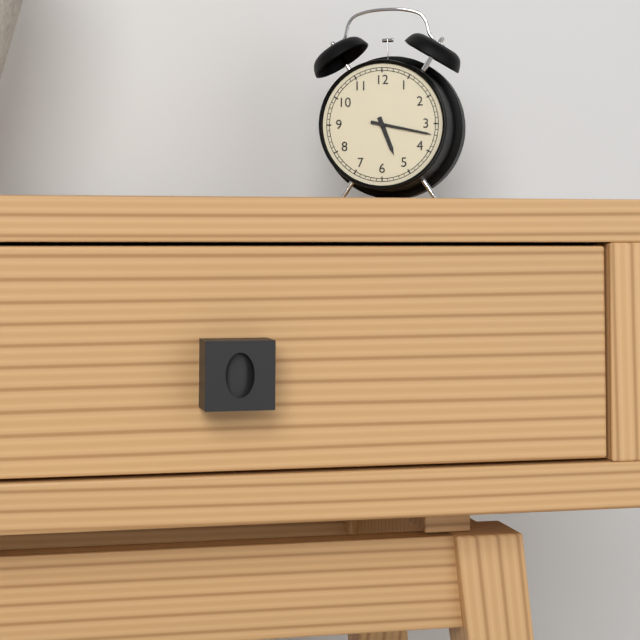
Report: 5:17
